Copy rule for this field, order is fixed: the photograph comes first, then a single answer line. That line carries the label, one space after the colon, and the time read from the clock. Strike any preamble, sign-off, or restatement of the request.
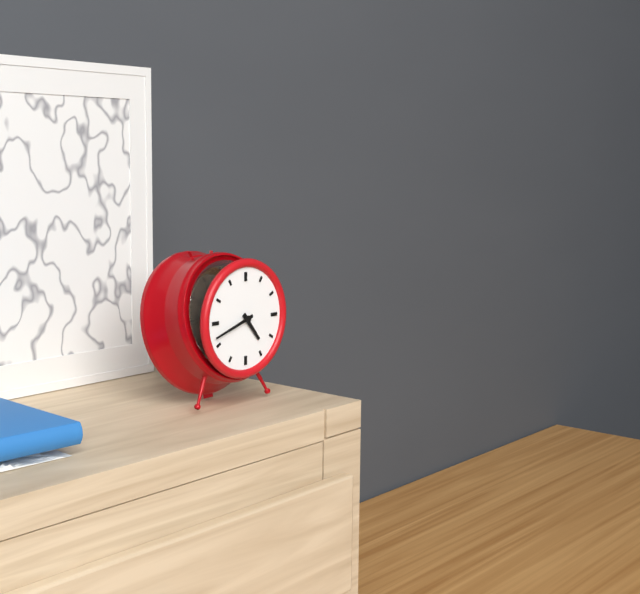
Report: 4:42
